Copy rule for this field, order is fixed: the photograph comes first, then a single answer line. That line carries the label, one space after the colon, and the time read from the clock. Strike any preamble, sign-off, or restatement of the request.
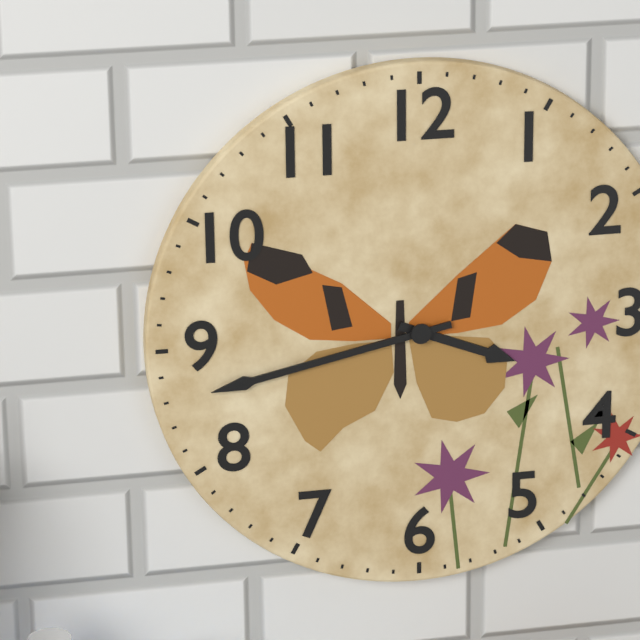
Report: 3:43
